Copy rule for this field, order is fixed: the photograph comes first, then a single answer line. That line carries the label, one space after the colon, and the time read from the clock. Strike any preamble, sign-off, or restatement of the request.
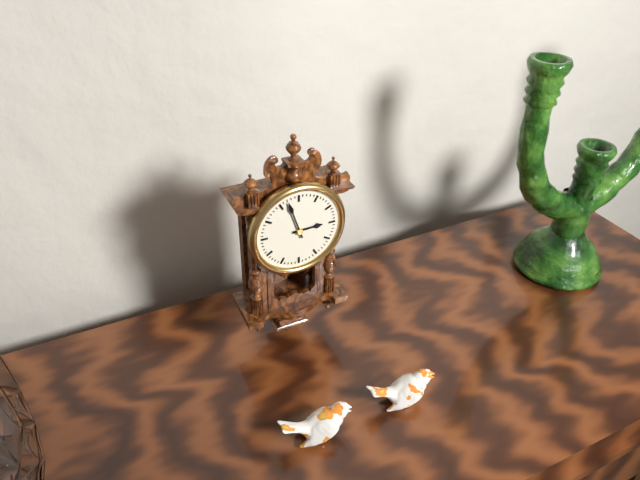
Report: 2:57
